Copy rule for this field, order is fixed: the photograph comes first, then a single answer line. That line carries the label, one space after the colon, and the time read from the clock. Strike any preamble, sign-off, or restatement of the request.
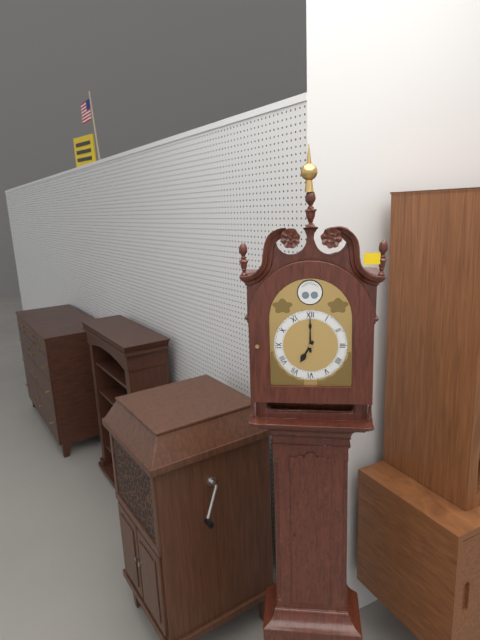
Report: 7:00
